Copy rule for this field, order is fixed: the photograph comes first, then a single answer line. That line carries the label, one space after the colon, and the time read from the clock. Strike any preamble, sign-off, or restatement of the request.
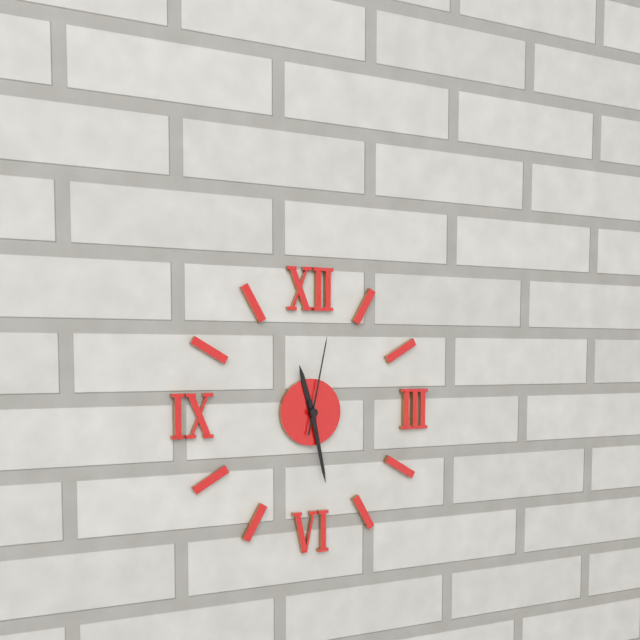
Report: 11:28:02
